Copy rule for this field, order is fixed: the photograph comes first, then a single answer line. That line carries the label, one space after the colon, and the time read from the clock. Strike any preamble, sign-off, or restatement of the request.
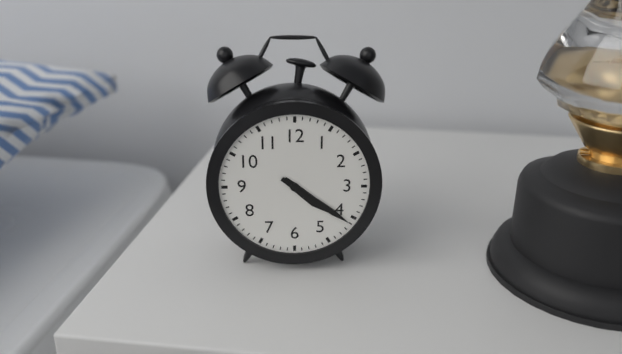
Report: 4:21
